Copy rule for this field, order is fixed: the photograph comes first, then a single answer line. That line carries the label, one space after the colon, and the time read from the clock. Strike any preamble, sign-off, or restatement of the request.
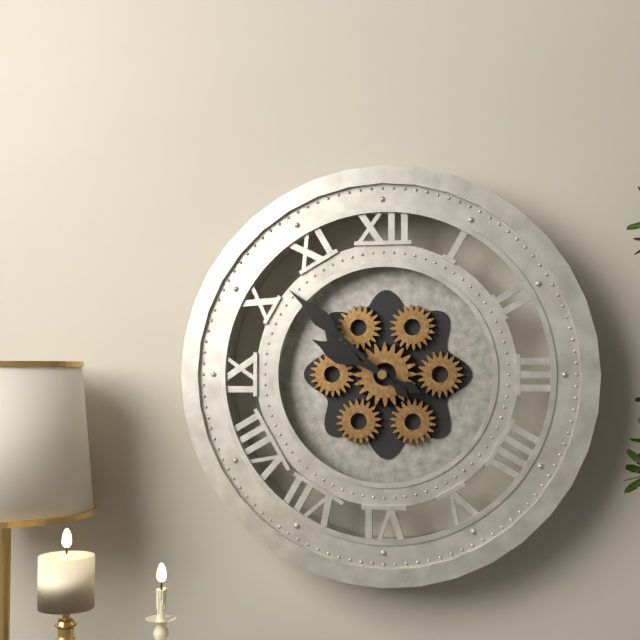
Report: 9:52
